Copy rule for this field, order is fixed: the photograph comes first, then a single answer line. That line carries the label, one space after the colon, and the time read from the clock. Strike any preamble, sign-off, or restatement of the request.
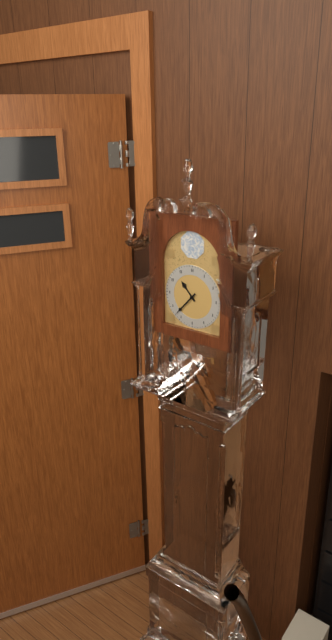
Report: 10:37
